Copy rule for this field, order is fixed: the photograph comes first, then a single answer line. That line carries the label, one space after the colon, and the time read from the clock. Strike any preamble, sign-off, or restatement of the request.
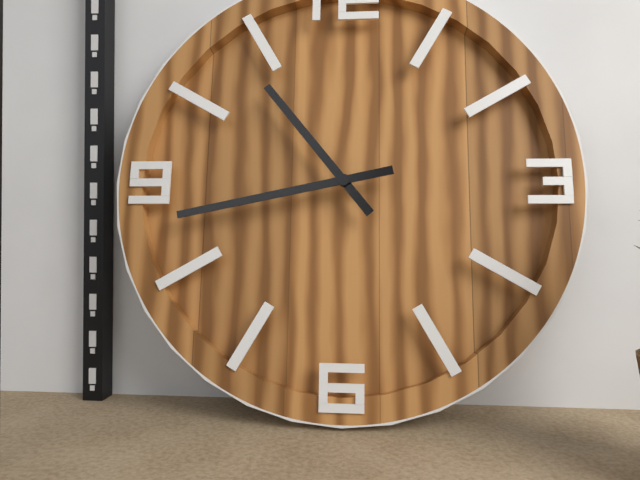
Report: 10:43
